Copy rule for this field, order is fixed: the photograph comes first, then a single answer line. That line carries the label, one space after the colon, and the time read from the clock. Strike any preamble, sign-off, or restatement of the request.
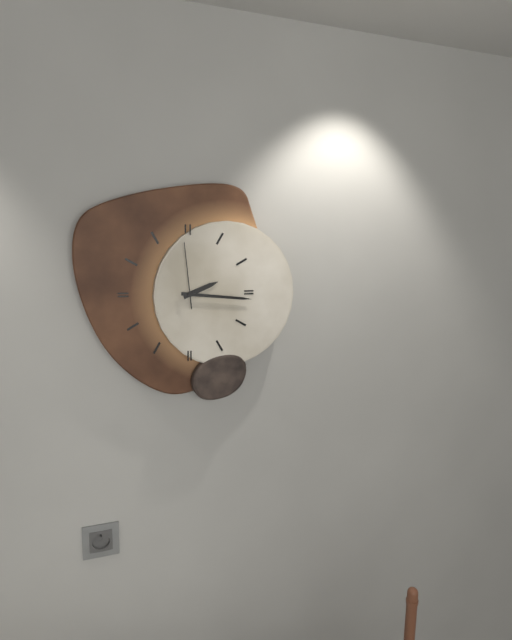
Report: 2:16:59
